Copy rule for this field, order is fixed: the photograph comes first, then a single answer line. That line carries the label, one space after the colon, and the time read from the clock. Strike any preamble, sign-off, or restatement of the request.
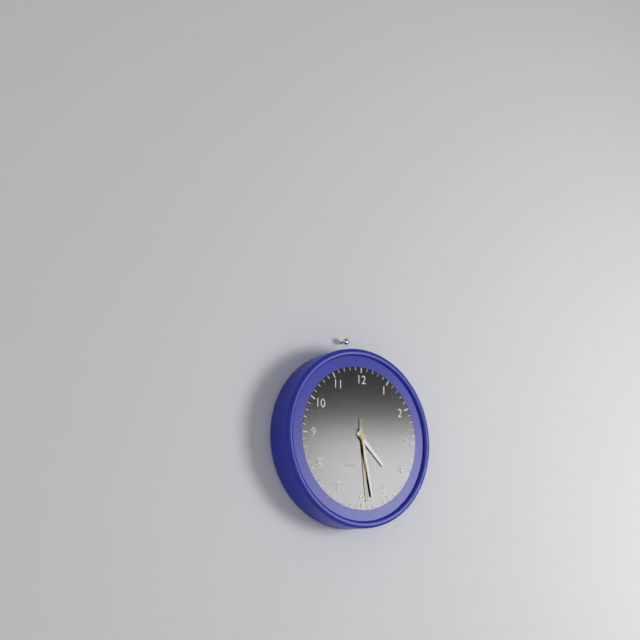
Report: 4:28:29
